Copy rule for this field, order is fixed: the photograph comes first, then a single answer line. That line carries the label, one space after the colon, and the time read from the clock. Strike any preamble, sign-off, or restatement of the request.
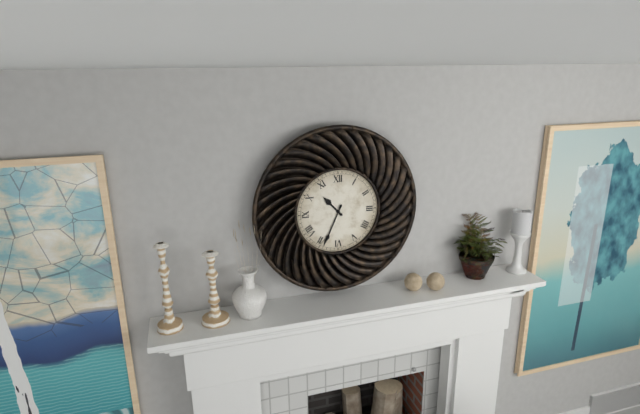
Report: 10:34
